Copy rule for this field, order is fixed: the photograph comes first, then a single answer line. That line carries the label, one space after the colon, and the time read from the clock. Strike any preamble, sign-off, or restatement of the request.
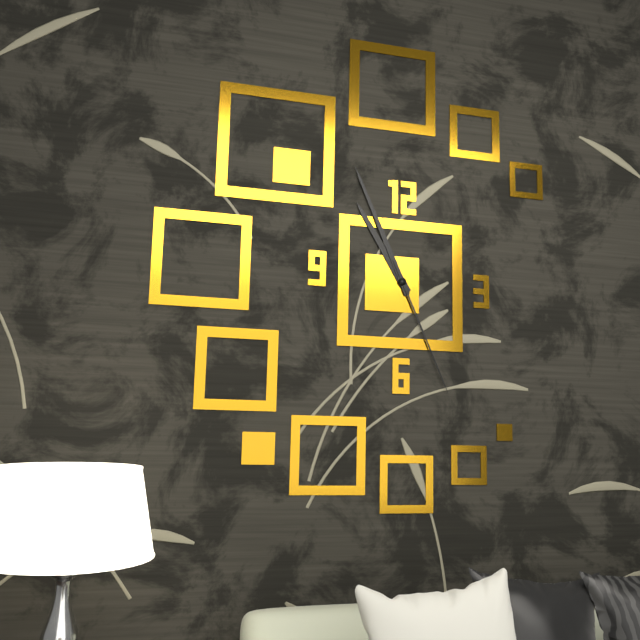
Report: 10:56:26
